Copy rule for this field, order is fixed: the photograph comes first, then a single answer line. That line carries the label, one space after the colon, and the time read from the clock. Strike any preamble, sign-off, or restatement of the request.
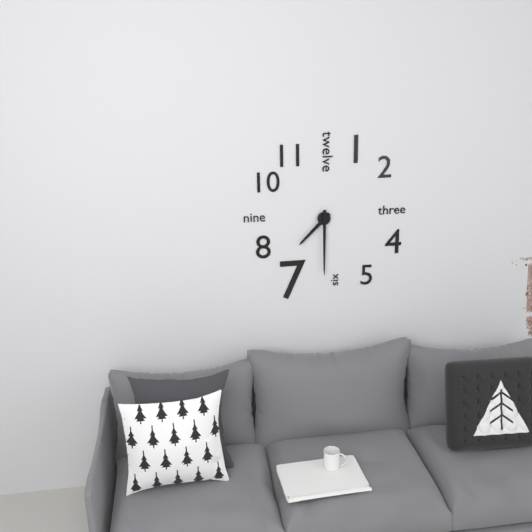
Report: 7:30
